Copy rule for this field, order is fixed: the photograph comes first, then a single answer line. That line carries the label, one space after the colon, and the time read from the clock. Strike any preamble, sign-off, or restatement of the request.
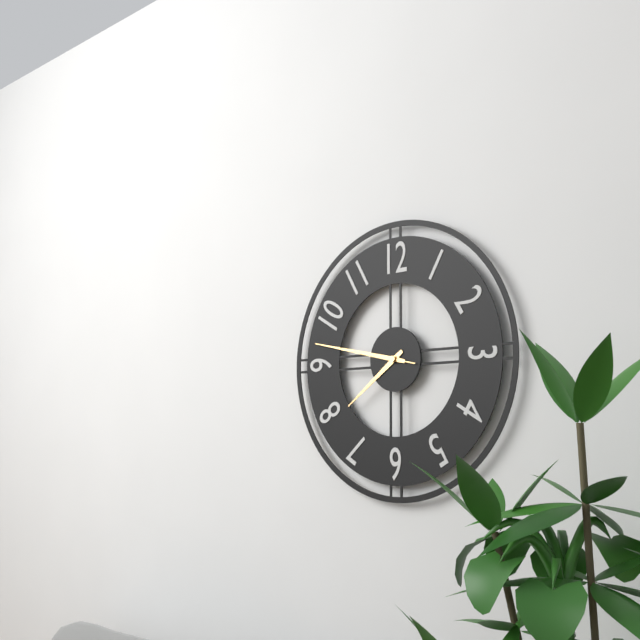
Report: 7:47:47
